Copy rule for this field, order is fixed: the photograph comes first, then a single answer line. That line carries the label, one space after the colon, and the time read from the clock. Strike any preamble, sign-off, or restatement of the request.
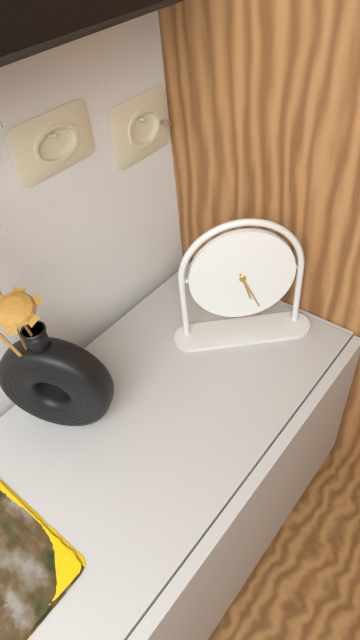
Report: 5:26
